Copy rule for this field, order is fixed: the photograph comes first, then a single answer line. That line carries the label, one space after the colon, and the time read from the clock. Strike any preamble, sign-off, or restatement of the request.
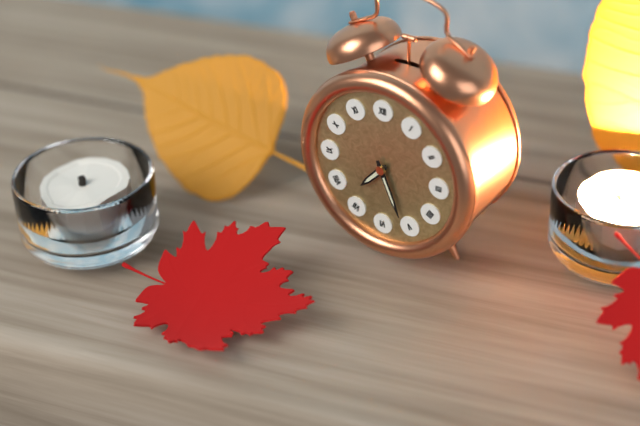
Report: 7:26
